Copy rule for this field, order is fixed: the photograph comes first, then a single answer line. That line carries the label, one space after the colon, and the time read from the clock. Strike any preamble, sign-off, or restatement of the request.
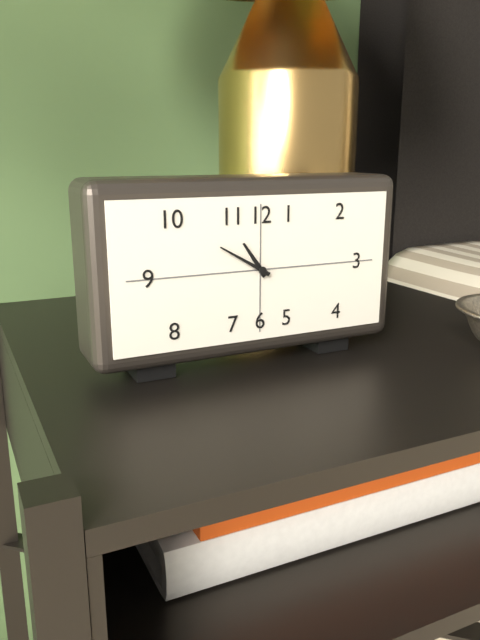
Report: 10:50
